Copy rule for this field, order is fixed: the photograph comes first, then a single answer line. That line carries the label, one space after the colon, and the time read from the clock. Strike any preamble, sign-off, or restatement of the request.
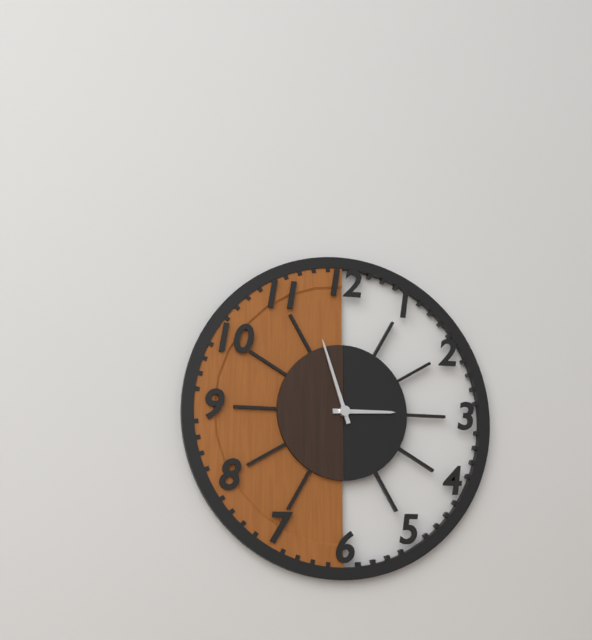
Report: 2:57
